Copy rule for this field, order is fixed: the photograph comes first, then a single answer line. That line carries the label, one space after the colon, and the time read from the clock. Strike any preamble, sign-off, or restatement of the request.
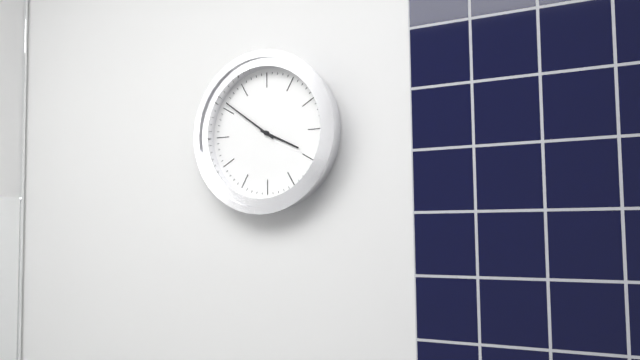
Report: 3:51
